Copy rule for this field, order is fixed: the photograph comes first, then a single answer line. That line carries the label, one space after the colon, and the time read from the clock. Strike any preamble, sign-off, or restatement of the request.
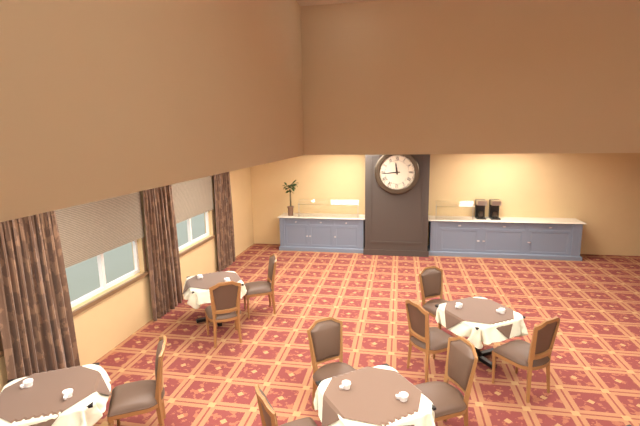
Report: 11:44
